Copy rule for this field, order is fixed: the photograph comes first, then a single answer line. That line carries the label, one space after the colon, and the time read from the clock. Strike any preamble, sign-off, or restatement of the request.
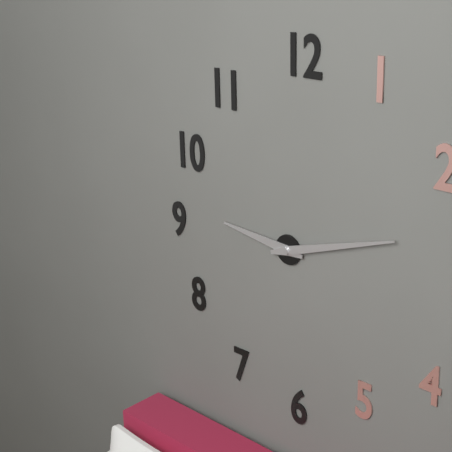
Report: 9:12
